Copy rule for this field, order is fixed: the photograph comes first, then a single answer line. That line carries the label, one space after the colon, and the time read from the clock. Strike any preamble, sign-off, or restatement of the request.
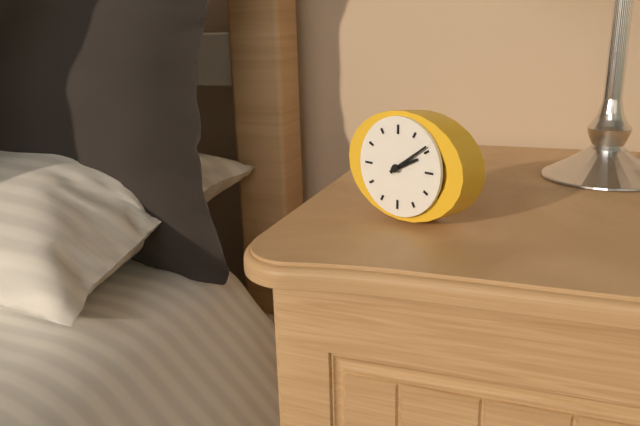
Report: 2:09
